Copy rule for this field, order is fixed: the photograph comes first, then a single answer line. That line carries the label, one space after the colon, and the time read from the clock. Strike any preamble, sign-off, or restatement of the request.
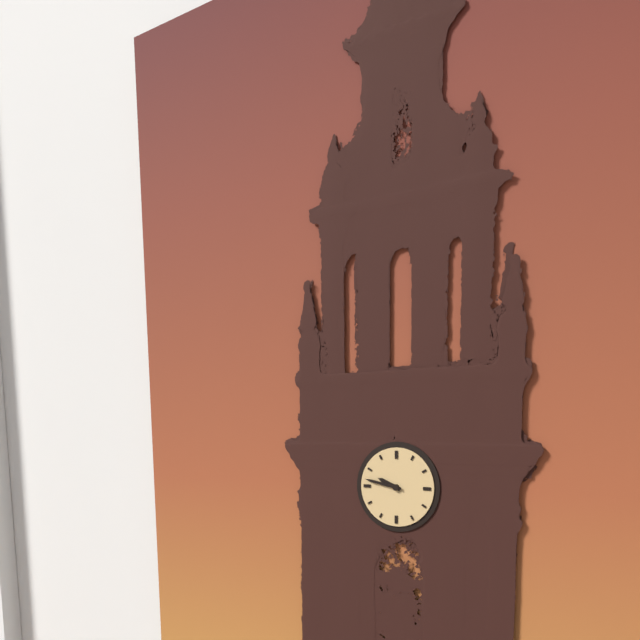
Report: 9:47
